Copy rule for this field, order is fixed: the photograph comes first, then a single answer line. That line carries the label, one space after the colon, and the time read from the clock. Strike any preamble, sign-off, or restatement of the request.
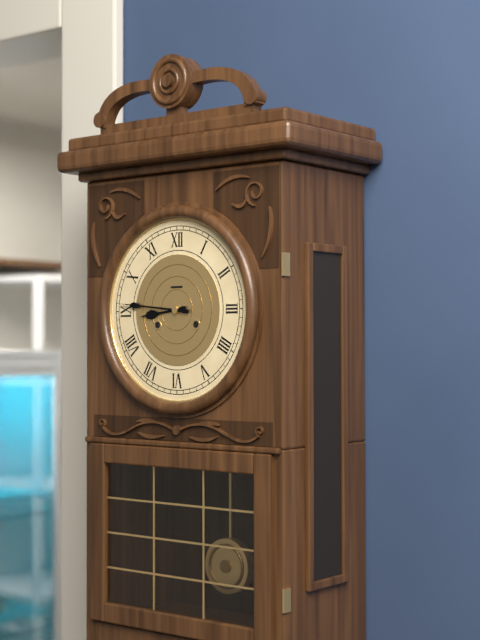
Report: 8:46
